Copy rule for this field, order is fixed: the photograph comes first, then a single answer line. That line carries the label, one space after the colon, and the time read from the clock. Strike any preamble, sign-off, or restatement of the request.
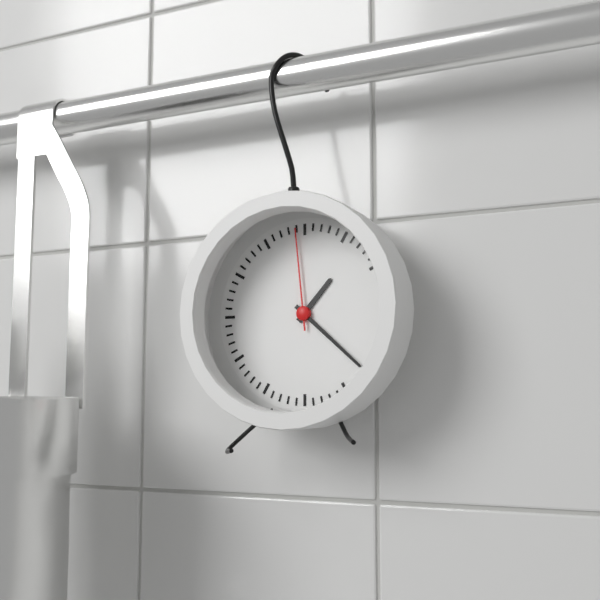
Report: 1:22:59
